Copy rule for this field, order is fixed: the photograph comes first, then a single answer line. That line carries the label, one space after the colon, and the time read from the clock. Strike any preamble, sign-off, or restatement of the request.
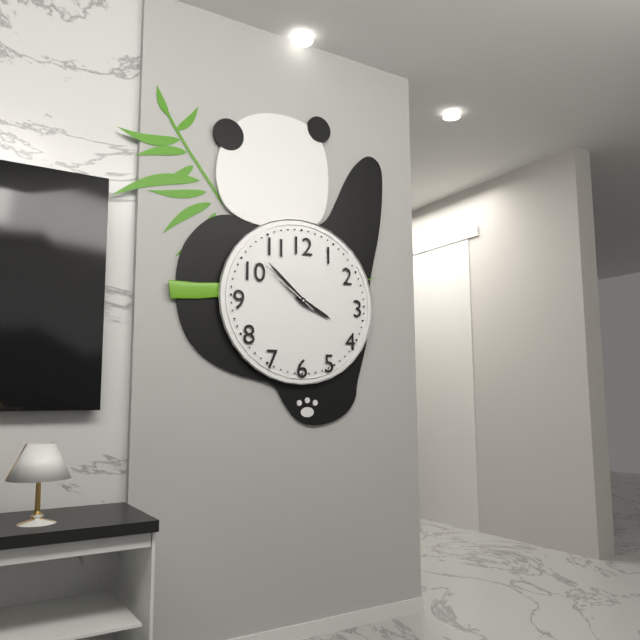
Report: 3:52:51
